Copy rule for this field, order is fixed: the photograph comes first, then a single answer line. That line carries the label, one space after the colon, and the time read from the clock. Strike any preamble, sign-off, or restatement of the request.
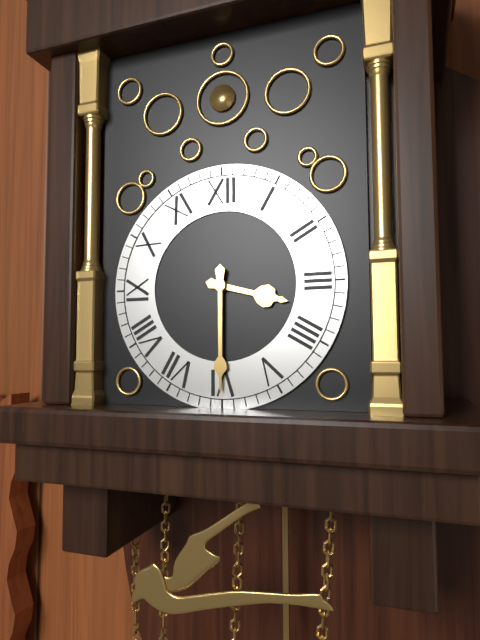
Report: 3:30
